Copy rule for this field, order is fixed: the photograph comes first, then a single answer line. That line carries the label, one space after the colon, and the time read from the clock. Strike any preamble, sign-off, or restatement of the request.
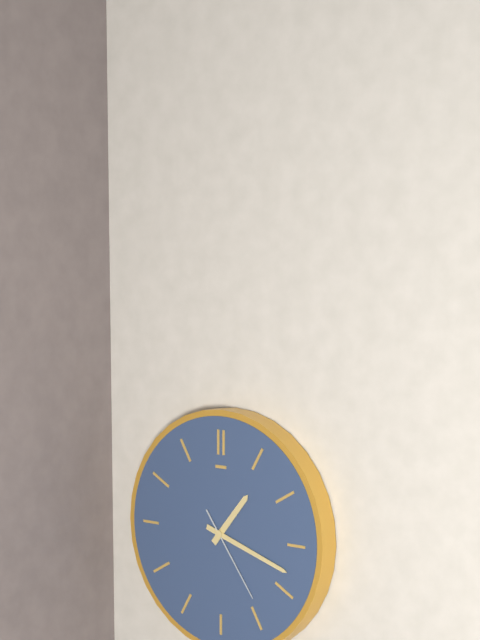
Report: 1:18:24
